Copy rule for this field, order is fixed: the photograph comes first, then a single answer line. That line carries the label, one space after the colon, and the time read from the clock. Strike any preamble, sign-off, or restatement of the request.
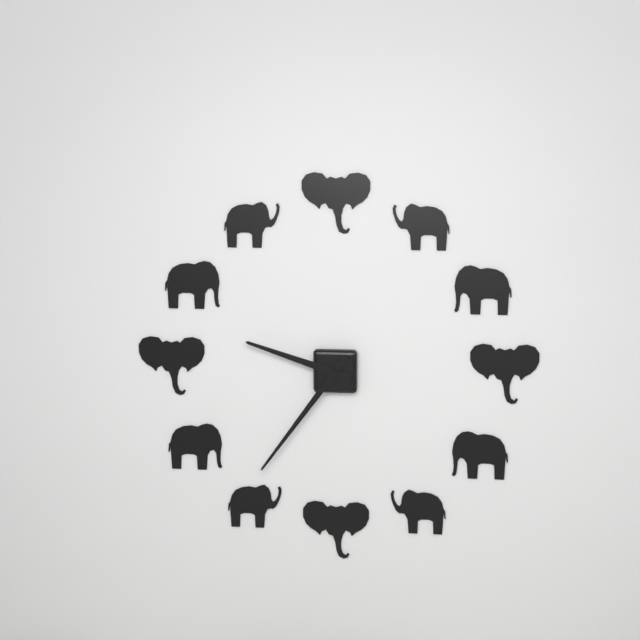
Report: 9:36
